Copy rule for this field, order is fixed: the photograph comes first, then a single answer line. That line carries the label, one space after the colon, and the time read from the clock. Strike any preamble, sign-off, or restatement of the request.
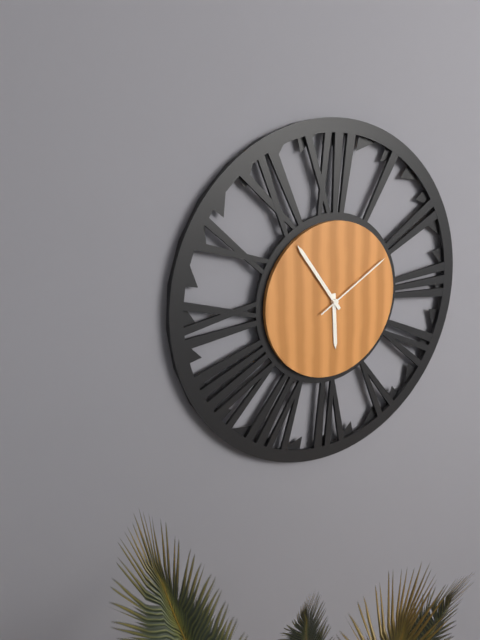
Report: 5:54:10
